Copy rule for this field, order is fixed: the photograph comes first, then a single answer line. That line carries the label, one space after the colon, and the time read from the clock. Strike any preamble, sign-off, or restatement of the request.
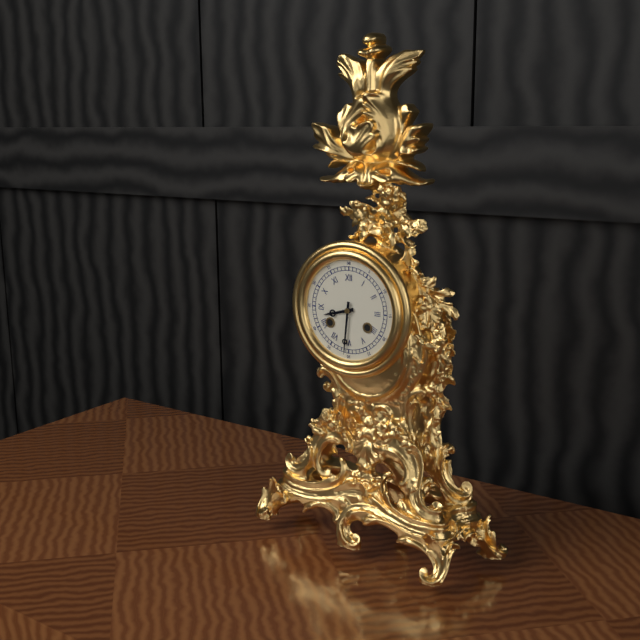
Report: 8:31
